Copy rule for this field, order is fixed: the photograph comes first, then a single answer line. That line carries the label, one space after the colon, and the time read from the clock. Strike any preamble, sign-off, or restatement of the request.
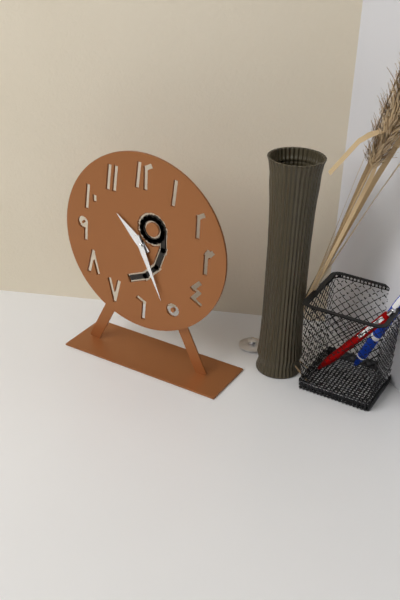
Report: 10:26
